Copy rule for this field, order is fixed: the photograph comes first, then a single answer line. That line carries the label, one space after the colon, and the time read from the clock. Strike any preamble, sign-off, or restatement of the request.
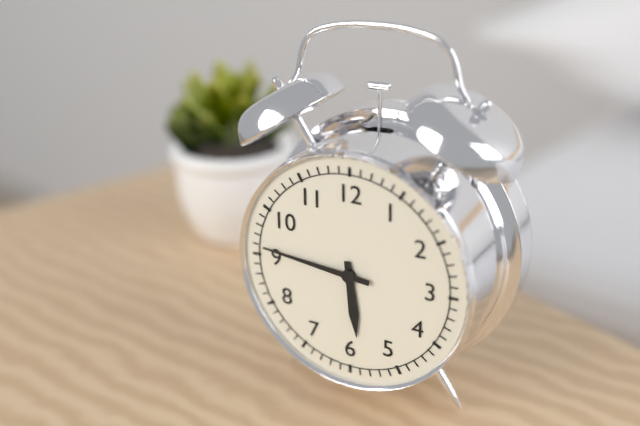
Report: 5:46
